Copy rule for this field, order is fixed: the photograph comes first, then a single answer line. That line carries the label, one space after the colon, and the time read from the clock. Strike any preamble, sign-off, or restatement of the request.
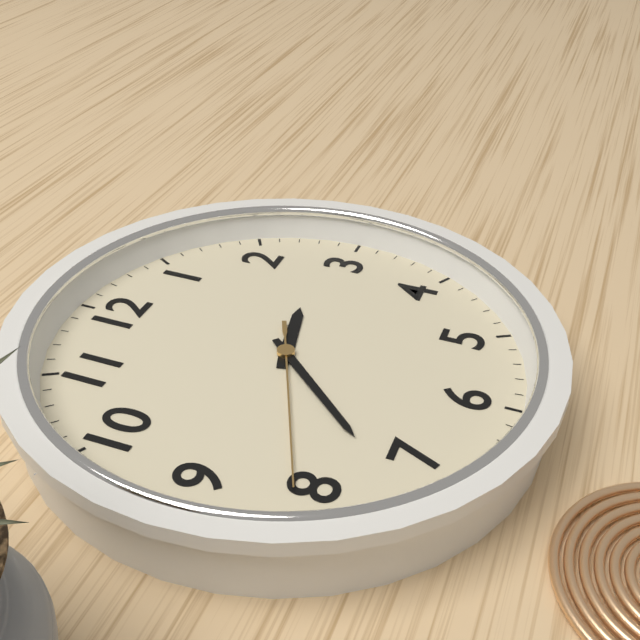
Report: 2:37:41
